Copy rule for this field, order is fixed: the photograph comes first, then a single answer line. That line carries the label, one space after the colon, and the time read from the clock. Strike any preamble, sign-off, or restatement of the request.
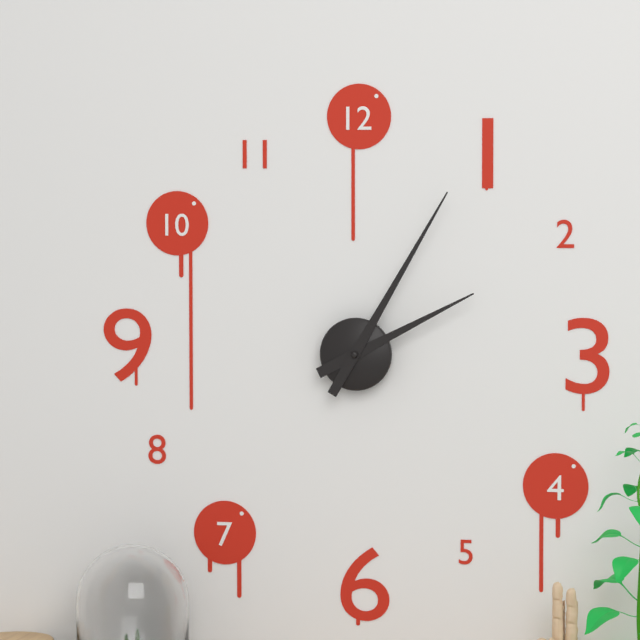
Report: 2:05
